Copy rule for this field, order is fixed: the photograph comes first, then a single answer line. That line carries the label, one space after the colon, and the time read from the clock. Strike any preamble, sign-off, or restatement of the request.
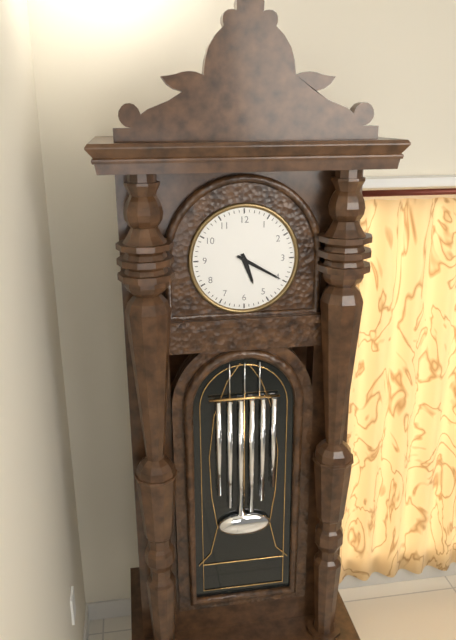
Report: 5:20
